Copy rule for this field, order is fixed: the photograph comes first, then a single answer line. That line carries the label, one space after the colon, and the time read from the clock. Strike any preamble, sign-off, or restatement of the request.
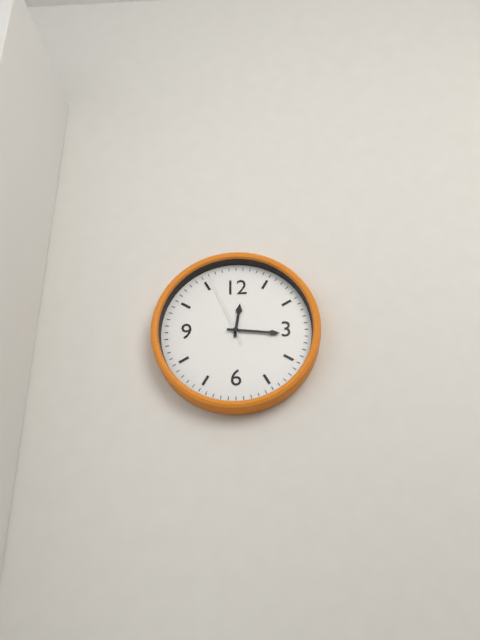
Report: 12:16:56
